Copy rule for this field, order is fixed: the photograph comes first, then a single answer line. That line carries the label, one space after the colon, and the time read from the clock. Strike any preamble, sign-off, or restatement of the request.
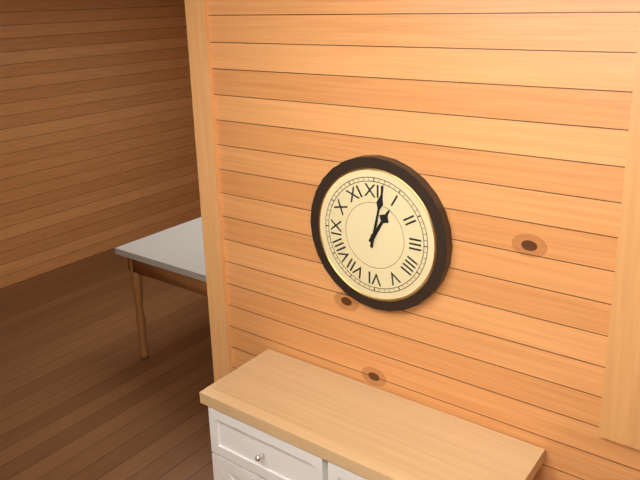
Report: 1:02
